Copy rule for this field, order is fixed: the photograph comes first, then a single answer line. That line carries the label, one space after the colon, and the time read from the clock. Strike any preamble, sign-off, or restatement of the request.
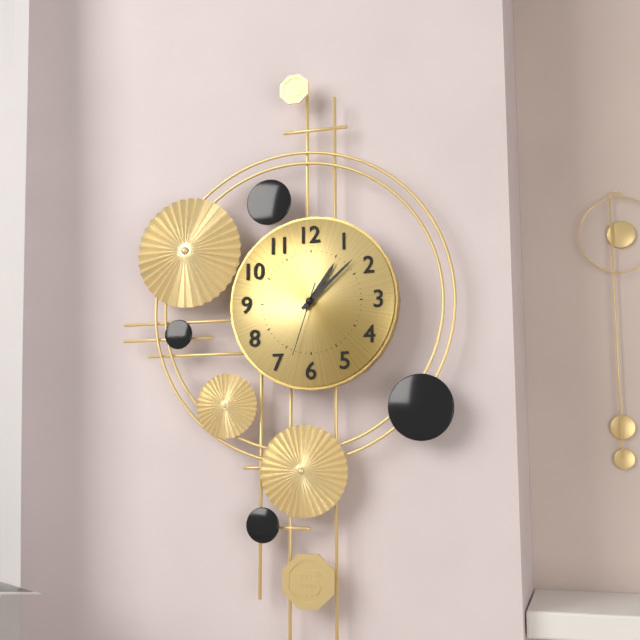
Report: 1:08:33
